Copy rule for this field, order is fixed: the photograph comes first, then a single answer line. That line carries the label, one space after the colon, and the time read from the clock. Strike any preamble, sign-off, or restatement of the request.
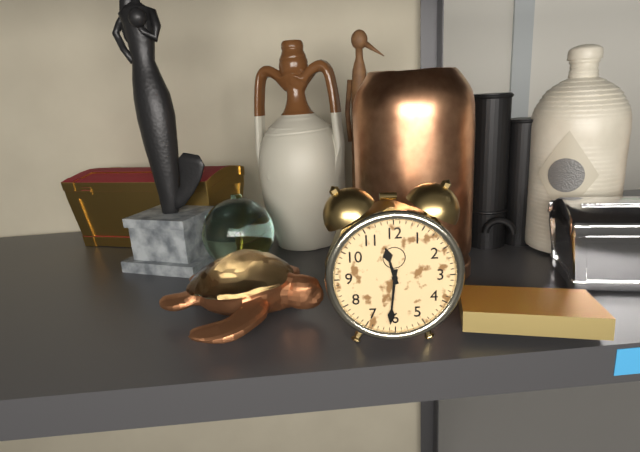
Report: 11:31
